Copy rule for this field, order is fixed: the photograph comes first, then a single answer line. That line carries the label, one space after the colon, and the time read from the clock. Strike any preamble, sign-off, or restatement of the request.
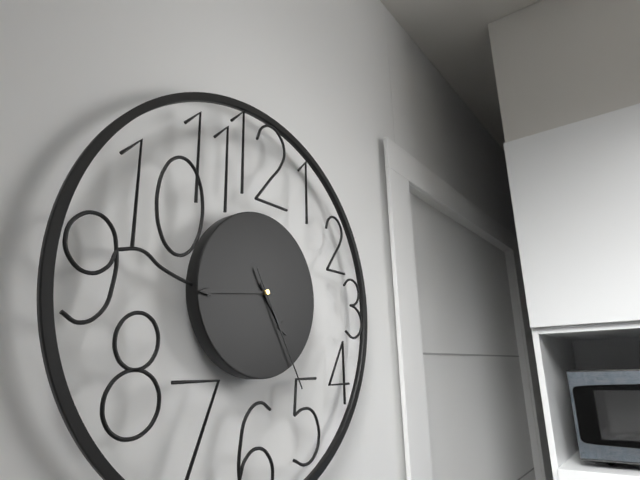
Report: 4:44:25
